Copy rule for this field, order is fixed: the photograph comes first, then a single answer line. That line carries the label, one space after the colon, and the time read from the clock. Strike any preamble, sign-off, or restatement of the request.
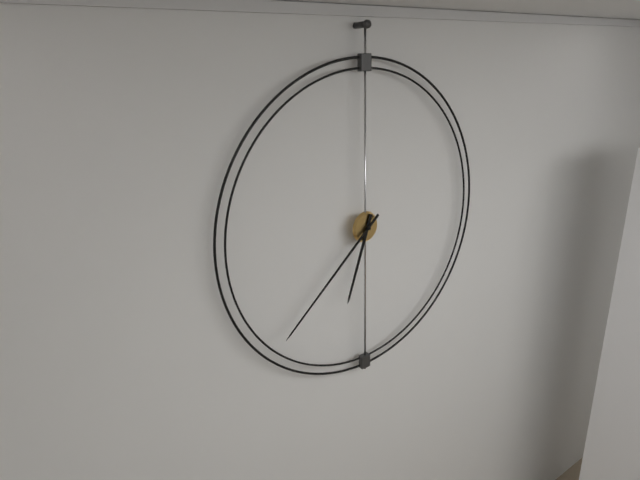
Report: 6:38
